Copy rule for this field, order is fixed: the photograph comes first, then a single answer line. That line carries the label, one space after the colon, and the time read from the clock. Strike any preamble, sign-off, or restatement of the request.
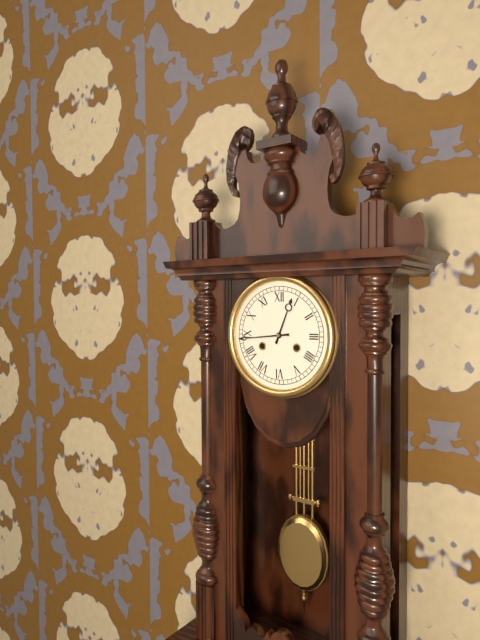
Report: 12:44
